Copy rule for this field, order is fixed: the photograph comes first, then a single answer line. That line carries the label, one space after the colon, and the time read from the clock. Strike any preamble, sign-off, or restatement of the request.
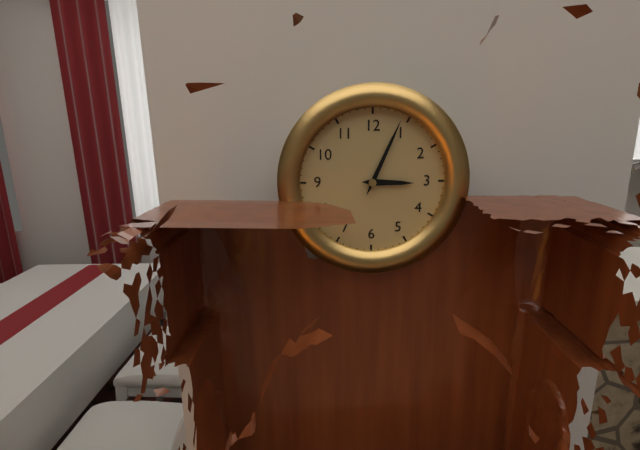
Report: 3:04
